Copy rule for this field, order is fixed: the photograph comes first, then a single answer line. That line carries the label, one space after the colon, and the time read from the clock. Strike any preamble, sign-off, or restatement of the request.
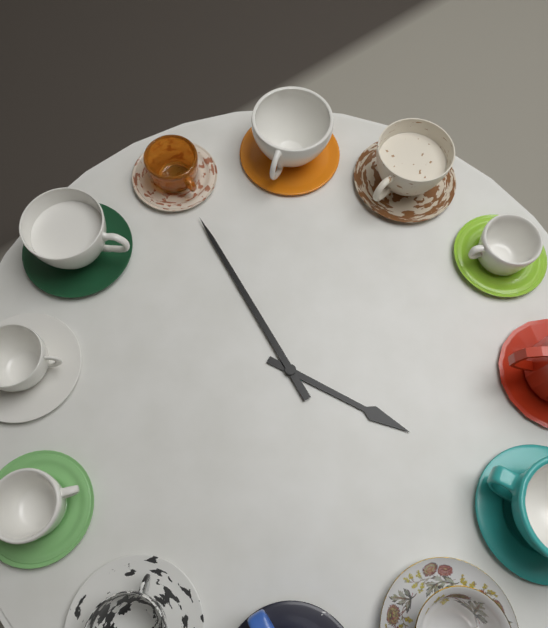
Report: 3:55
